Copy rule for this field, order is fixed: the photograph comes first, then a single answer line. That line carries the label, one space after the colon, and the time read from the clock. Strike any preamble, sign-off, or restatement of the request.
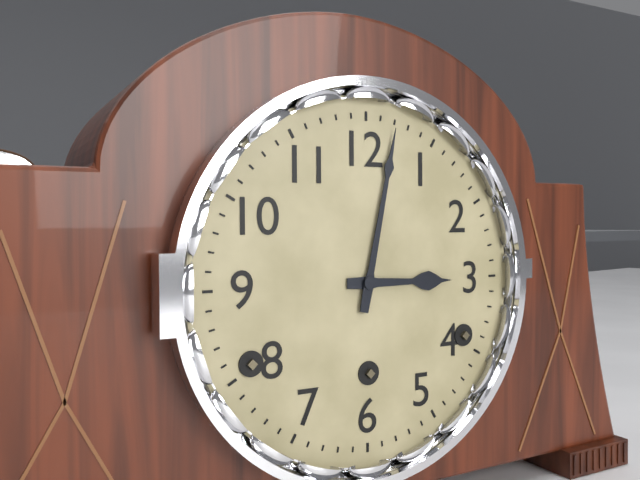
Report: 3:02
